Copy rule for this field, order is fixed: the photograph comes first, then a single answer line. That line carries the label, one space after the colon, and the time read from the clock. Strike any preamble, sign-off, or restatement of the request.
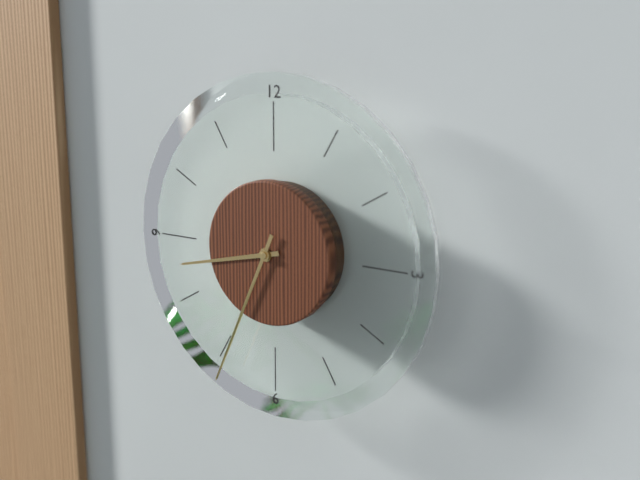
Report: 8:34
